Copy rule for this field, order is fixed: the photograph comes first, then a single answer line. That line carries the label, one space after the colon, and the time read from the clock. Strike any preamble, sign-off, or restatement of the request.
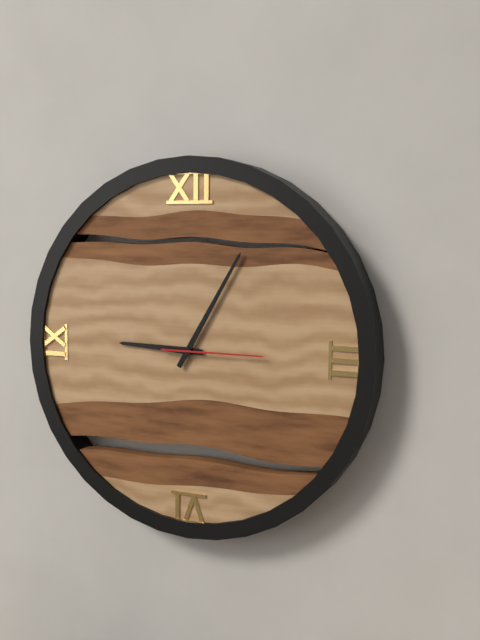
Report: 9:05:15
